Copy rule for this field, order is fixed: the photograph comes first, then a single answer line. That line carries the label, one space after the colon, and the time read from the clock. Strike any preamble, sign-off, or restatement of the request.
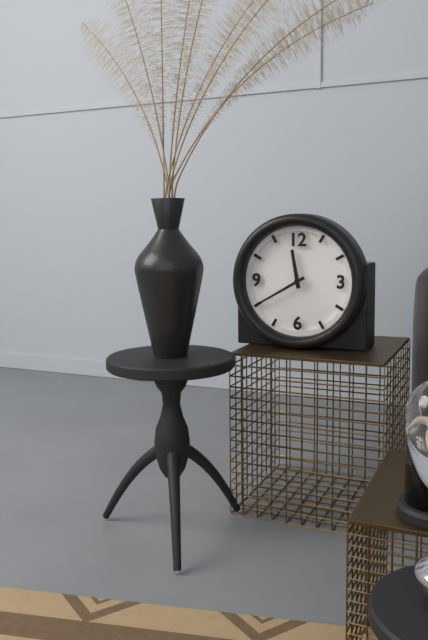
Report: 11:40
